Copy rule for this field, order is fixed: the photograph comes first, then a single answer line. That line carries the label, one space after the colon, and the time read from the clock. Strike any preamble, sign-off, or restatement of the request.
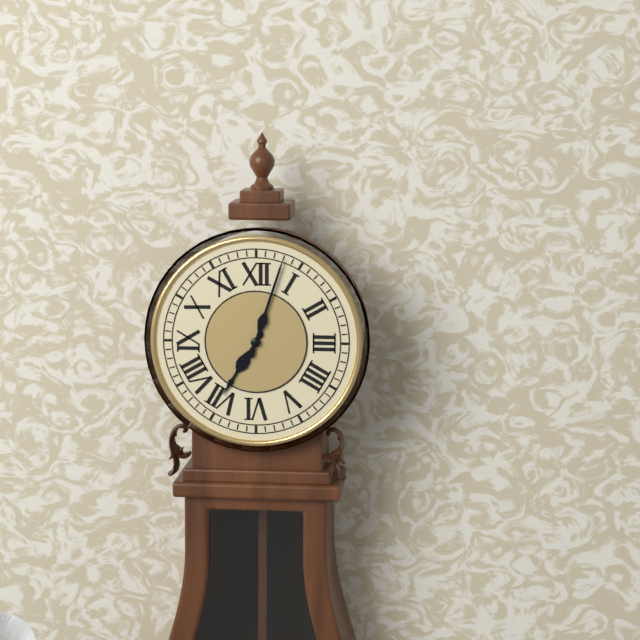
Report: 7:03
